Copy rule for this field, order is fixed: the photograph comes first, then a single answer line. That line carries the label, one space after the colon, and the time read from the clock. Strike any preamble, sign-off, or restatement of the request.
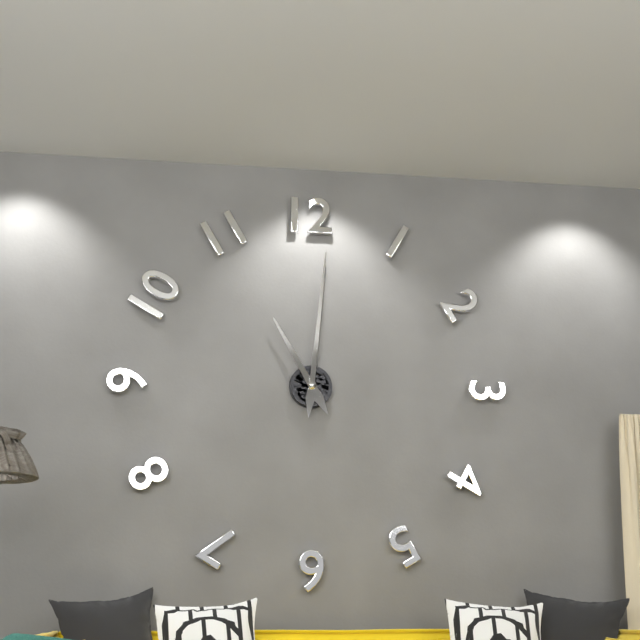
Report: 11:01
